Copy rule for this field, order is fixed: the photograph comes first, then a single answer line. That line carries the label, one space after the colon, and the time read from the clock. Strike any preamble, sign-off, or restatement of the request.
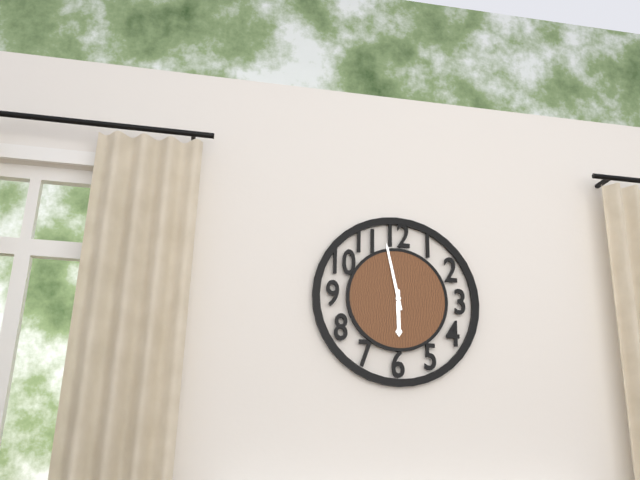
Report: 5:58
